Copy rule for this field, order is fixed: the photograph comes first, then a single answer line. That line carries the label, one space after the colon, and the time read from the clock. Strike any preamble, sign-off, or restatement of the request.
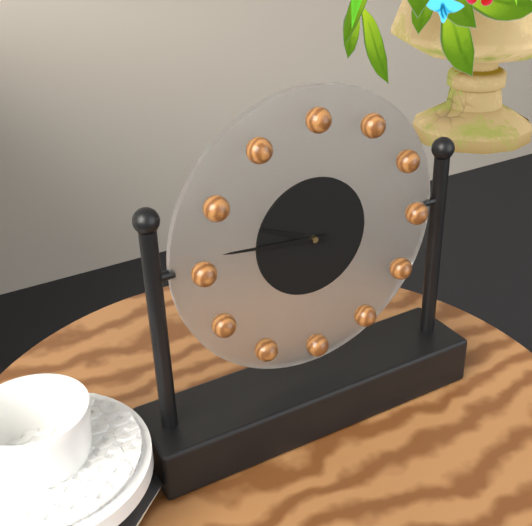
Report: 9:46
